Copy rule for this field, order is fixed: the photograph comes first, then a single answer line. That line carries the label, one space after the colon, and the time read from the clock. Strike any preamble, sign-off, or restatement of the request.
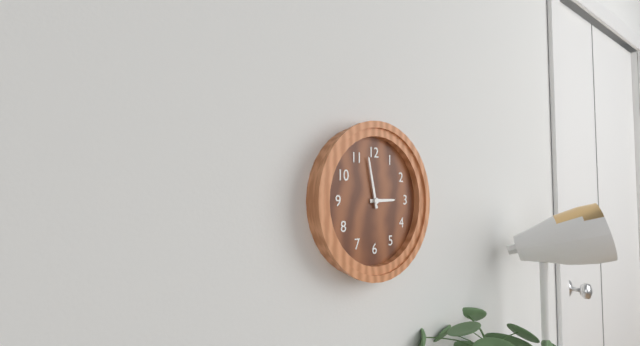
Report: 2:58
